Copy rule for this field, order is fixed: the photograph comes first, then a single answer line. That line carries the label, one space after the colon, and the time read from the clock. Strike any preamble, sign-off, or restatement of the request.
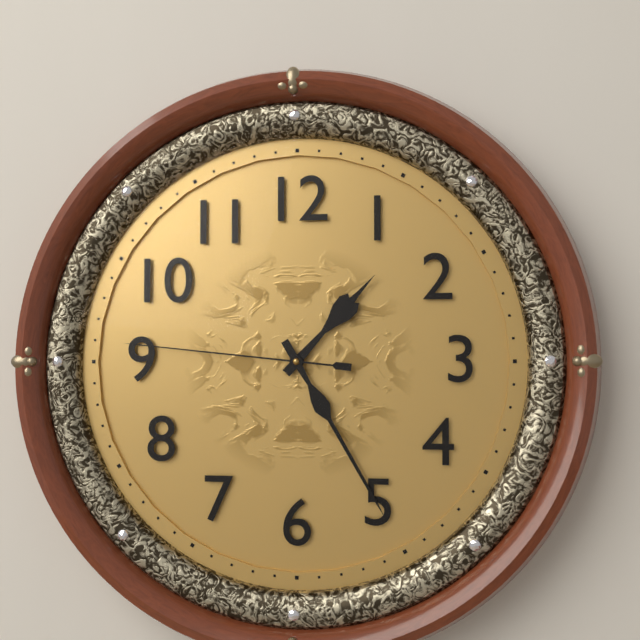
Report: 1:25:46
